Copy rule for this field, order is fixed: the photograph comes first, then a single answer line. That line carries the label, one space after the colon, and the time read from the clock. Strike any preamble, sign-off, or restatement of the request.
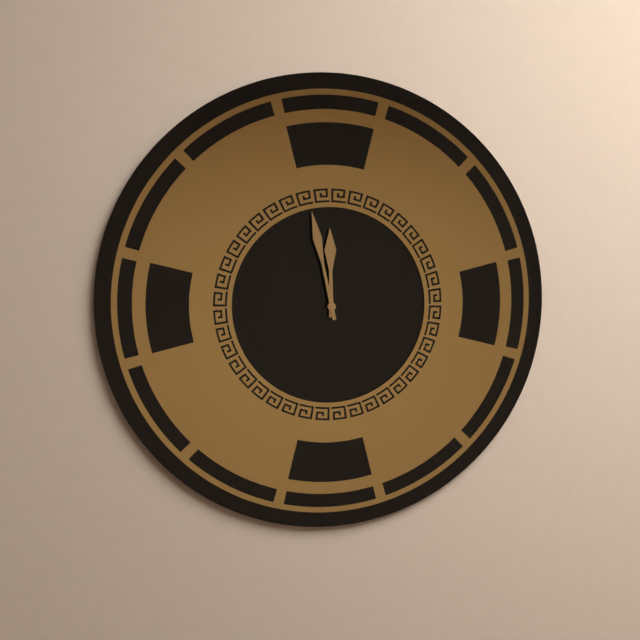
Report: 11:58
